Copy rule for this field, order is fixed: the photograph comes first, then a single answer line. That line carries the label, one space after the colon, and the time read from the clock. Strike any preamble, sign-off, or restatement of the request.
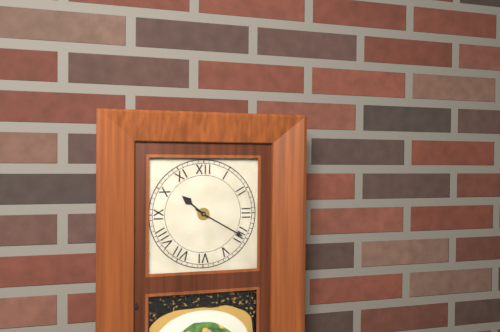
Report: 10:20
